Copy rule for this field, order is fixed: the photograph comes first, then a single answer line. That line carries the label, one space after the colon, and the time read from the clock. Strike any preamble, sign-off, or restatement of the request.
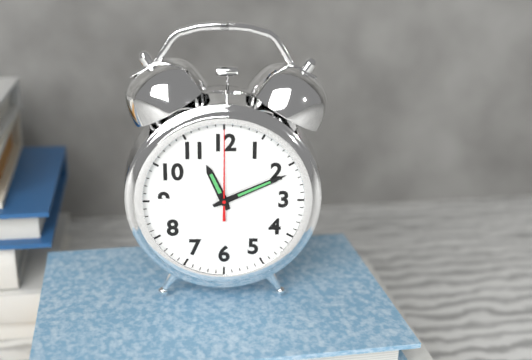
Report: 11:11:00
